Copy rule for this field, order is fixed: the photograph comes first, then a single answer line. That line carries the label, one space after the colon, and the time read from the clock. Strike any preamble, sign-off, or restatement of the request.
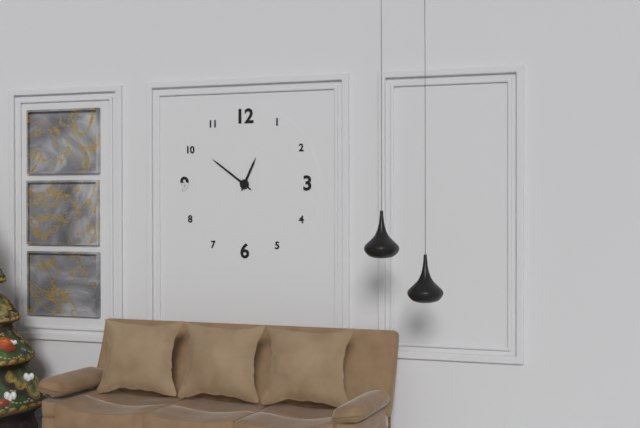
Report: 12:51
